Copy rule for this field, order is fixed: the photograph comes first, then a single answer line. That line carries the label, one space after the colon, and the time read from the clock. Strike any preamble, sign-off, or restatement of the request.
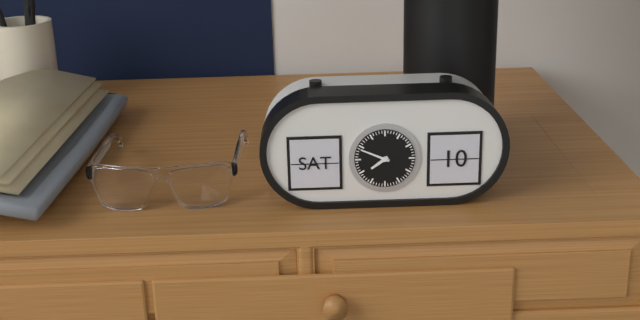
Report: 7:49
